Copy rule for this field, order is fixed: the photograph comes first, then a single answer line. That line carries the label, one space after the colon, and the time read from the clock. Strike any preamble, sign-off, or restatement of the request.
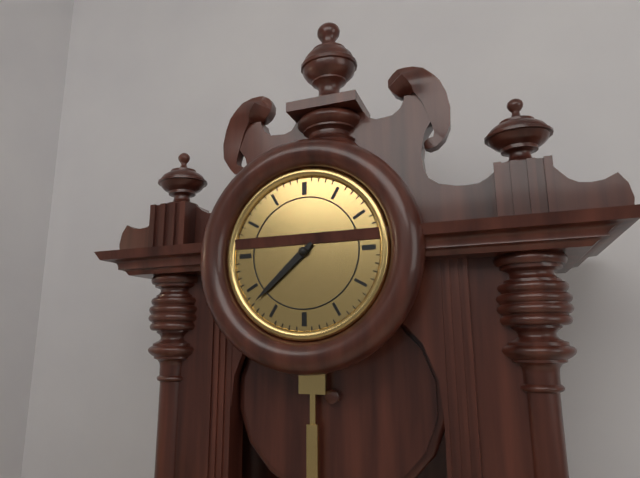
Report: 7:38
